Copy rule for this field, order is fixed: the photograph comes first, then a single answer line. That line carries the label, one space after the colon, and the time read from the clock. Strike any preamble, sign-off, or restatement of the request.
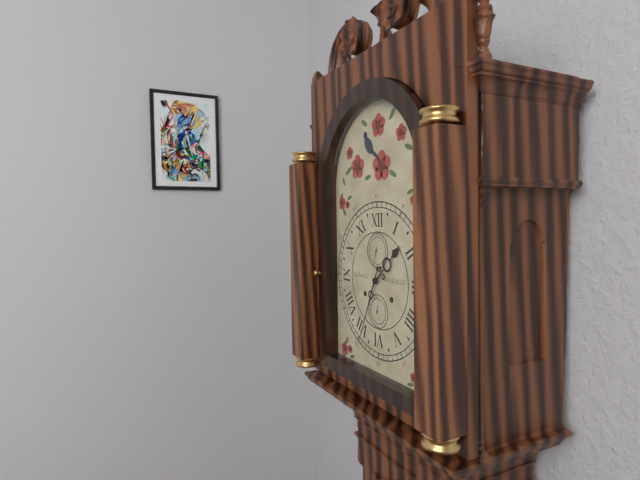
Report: 1:34
